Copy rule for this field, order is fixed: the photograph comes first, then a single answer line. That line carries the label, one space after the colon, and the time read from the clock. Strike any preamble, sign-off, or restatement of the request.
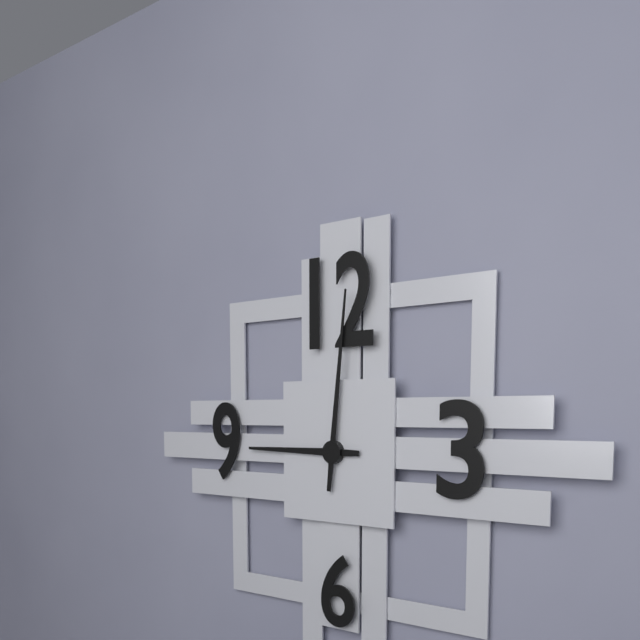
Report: 9:01
